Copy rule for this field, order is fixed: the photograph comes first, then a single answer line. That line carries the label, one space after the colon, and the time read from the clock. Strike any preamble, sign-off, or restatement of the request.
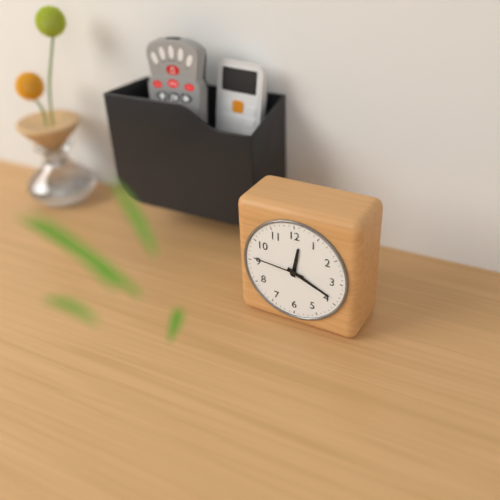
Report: 12:19:46
